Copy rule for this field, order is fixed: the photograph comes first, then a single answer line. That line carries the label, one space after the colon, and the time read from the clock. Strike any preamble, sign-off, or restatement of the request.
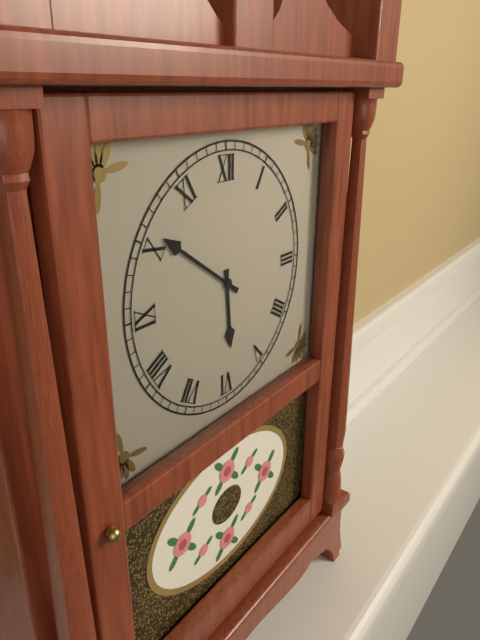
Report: 5:51
